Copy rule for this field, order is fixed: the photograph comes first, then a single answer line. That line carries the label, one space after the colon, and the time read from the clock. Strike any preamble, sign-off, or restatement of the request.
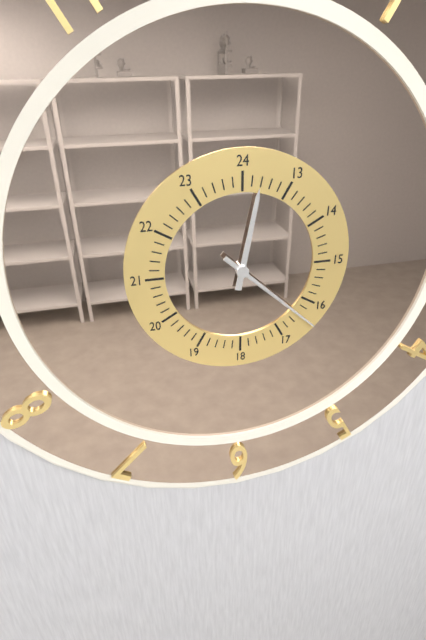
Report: 12:22
